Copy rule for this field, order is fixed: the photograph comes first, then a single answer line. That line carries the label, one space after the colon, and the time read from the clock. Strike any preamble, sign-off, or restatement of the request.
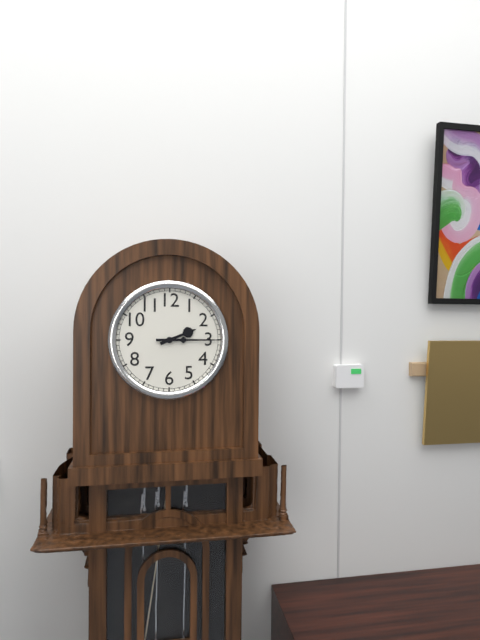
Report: 2:15
